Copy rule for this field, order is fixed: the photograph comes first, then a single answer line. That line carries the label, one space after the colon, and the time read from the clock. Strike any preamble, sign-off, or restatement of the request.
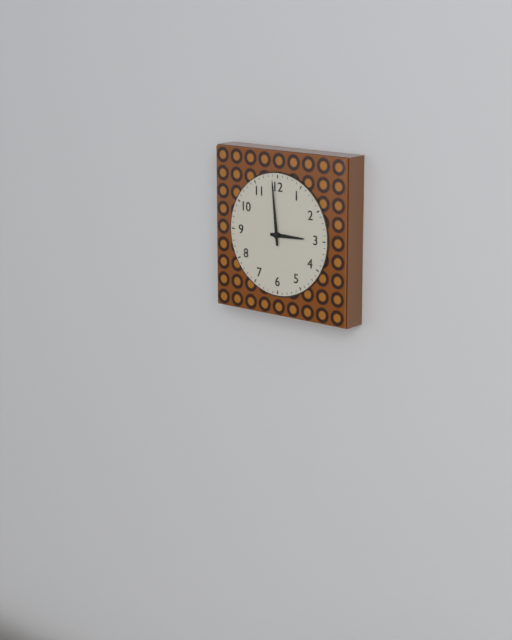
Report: 2:59
